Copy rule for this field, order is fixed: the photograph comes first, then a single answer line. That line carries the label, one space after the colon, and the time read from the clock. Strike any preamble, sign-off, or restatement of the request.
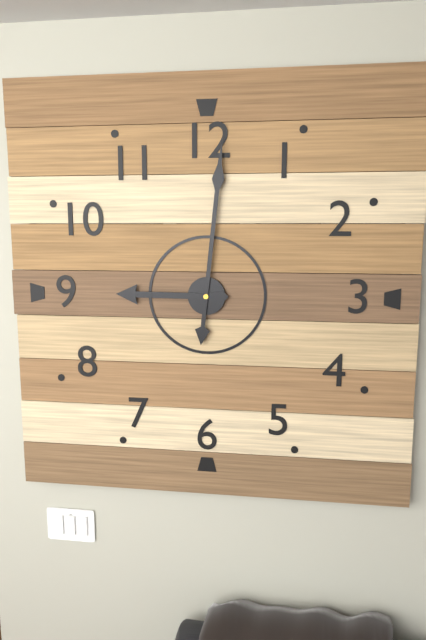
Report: 9:01
